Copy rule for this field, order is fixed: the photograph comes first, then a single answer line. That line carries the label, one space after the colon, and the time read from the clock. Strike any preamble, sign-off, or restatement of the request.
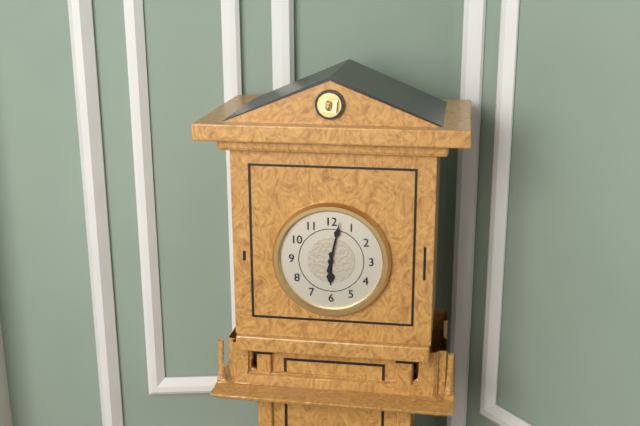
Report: 6:02
